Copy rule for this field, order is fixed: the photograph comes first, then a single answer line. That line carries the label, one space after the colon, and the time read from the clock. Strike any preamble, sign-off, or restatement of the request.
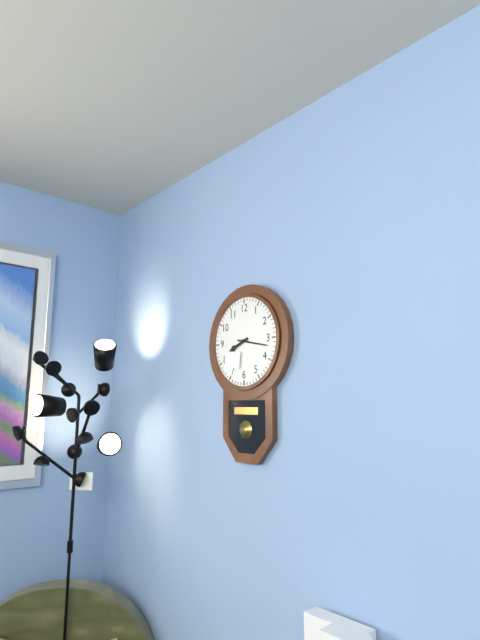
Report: 8:17
